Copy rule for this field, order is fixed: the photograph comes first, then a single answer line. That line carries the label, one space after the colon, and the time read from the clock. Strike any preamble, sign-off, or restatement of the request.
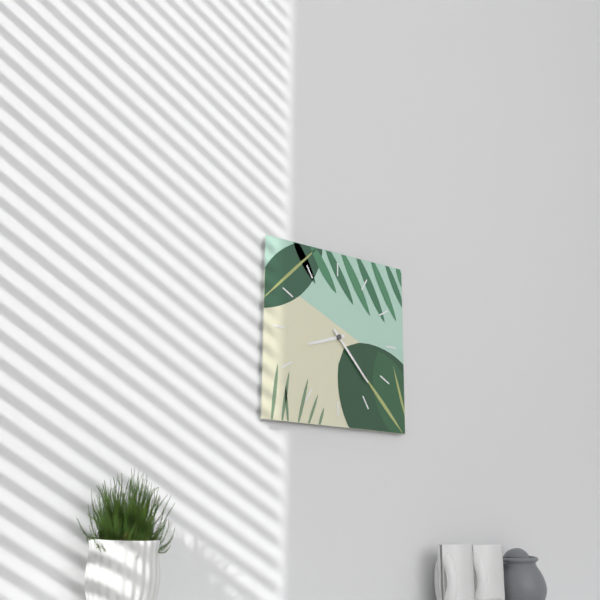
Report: 8:23
